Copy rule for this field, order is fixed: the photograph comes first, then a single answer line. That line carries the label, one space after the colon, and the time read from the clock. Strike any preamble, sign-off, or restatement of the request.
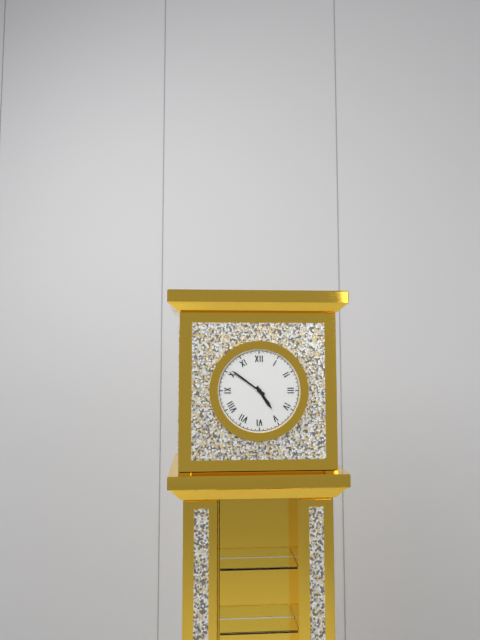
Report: 4:51
